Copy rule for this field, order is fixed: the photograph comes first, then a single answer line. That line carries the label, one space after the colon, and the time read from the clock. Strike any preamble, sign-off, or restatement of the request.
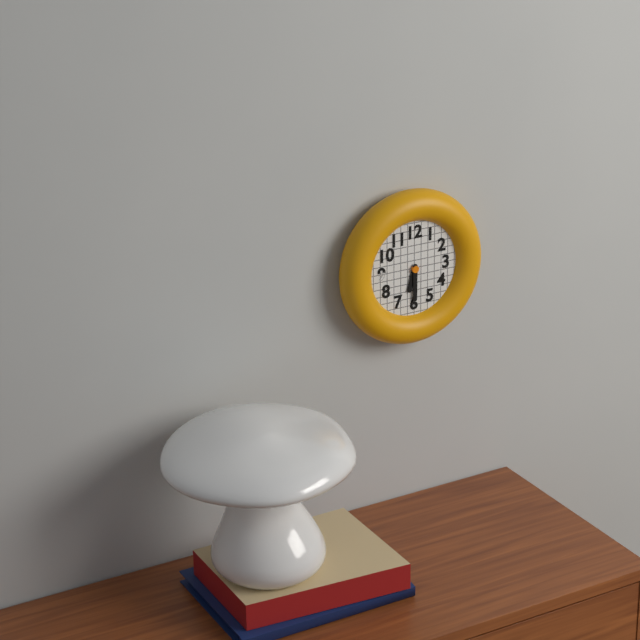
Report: 6:30
